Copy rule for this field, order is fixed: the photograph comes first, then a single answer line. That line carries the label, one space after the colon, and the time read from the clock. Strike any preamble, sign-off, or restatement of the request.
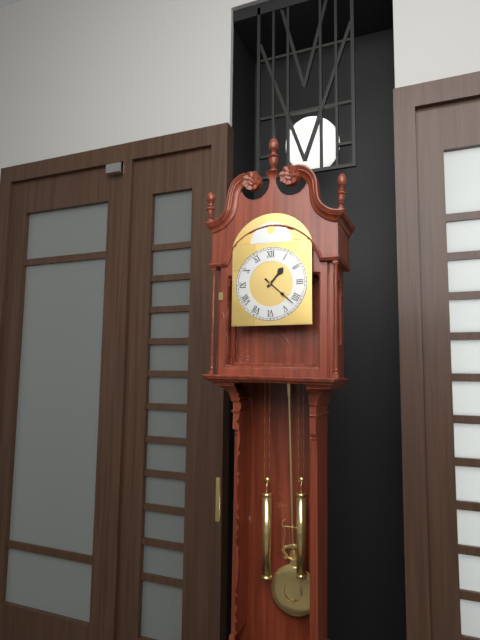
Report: 1:22
